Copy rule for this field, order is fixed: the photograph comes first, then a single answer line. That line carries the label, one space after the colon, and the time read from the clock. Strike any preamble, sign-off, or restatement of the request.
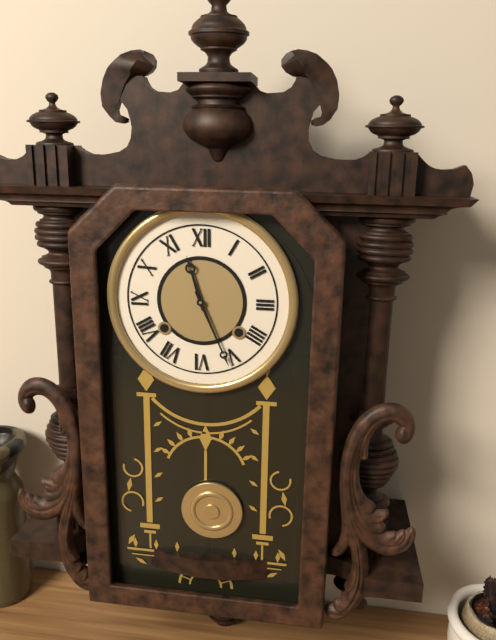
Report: 11:26
